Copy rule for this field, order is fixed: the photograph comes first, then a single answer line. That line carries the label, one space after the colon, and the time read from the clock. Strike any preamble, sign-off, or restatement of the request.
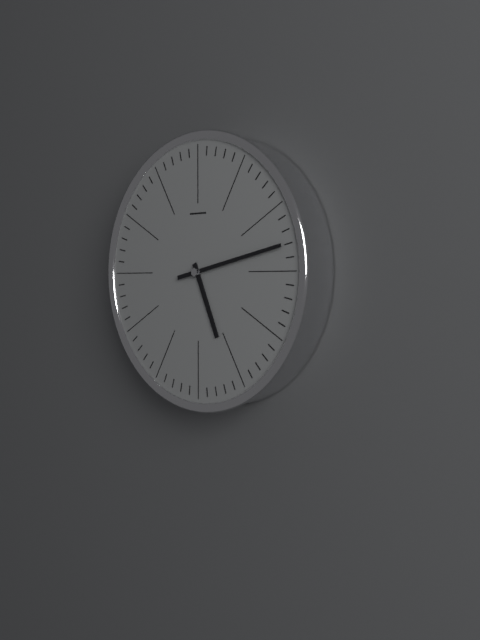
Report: 5:13
